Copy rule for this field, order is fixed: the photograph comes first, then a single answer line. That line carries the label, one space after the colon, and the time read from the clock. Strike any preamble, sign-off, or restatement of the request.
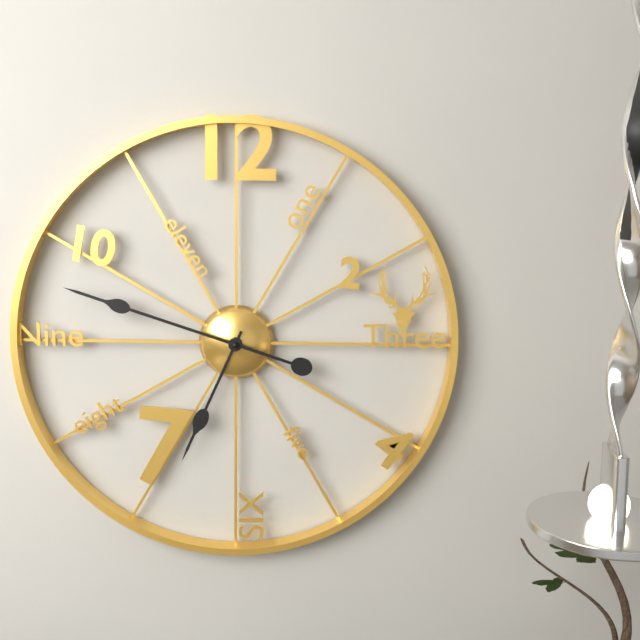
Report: 6:48
